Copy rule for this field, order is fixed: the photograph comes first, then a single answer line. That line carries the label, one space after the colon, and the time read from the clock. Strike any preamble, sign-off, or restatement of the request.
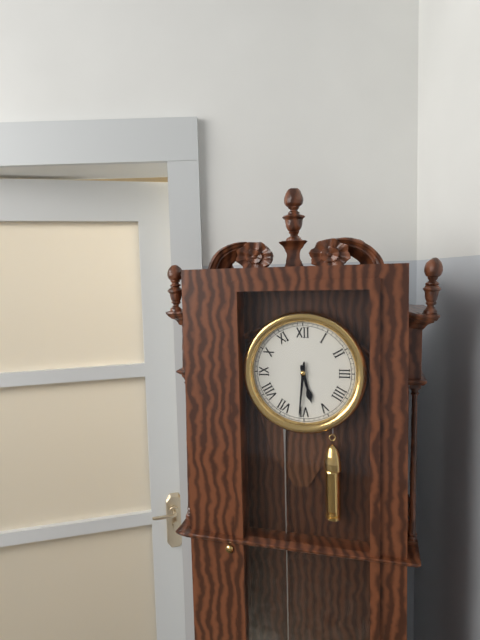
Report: 5:31
